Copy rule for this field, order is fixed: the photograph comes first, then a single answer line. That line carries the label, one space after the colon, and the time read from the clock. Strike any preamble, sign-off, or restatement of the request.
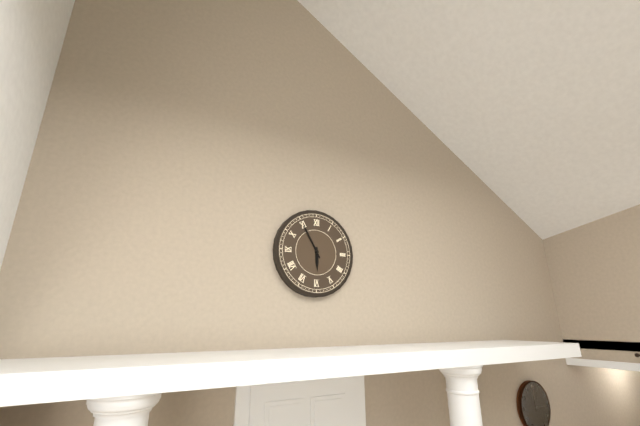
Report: 5:55
